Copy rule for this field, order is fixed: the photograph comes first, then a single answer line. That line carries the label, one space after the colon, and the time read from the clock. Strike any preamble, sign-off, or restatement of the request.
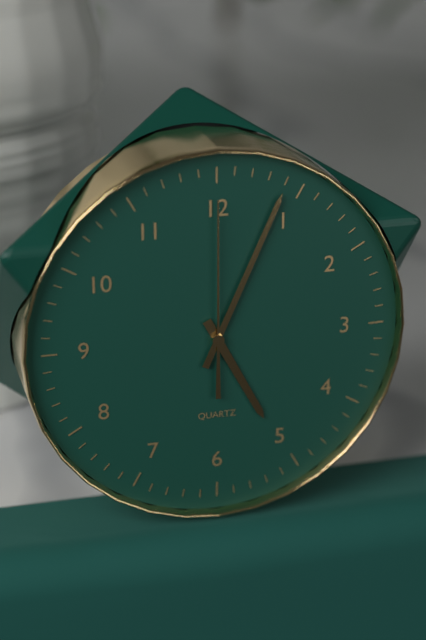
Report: 5:04:00
